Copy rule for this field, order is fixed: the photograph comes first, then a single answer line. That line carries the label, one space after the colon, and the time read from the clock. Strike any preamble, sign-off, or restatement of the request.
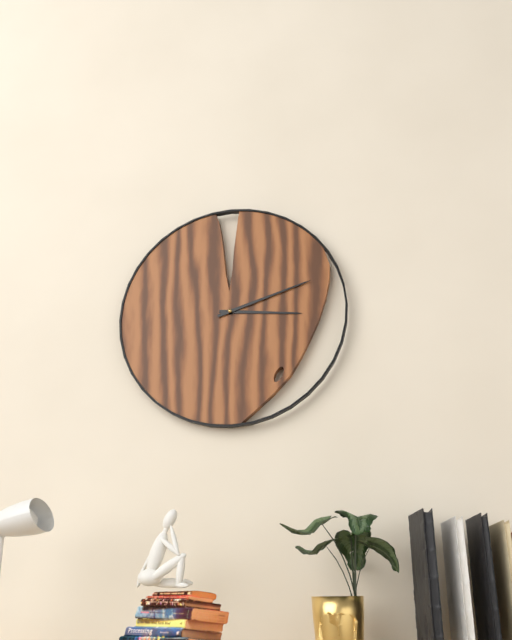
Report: 3:12
